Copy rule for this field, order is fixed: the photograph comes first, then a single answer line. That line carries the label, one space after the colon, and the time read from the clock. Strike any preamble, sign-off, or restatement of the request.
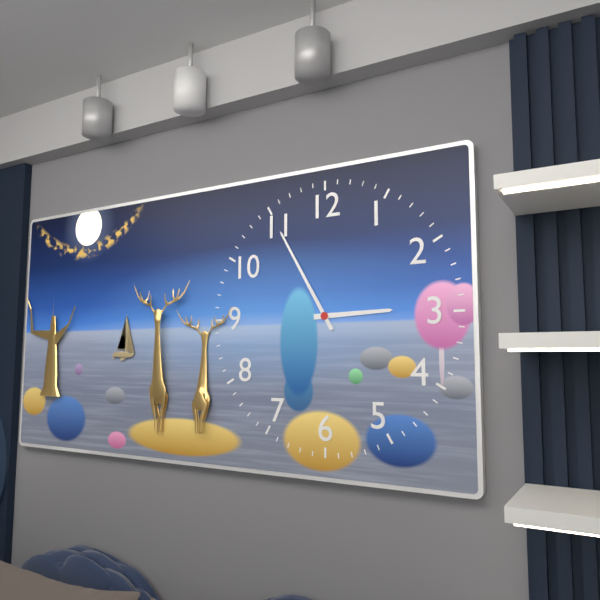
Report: 2:55
